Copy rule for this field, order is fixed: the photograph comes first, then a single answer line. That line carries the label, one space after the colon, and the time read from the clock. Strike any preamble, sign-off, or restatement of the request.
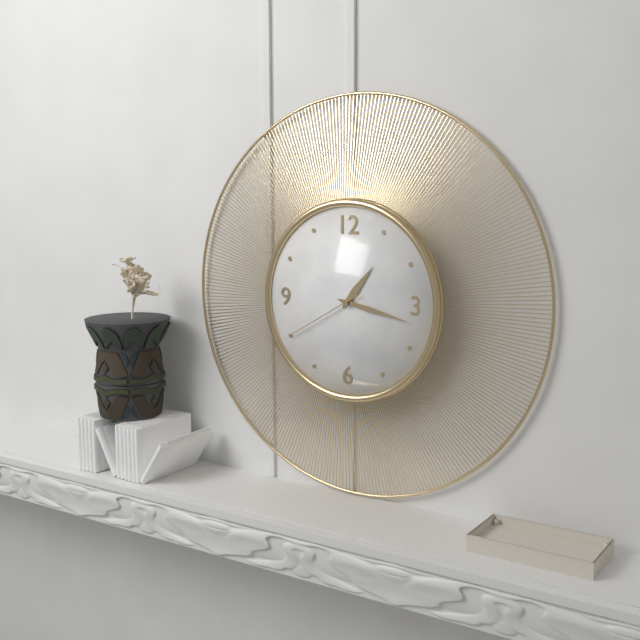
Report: 1:17:40
